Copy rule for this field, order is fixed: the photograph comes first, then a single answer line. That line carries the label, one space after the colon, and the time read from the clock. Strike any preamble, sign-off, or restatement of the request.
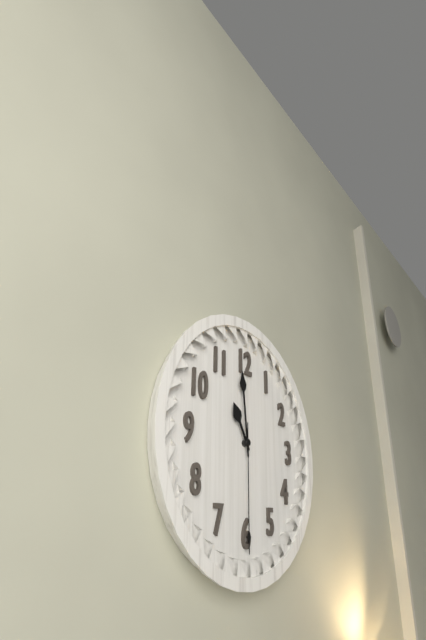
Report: 10:59:30
